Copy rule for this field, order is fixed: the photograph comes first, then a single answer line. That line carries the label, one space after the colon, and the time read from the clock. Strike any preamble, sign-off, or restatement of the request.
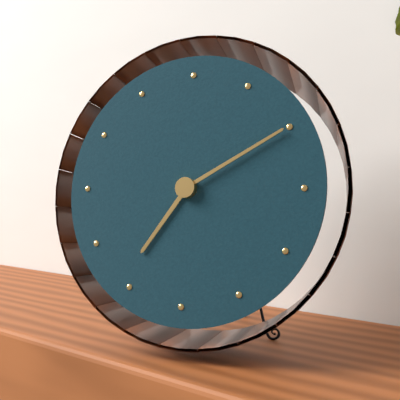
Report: 7:10
